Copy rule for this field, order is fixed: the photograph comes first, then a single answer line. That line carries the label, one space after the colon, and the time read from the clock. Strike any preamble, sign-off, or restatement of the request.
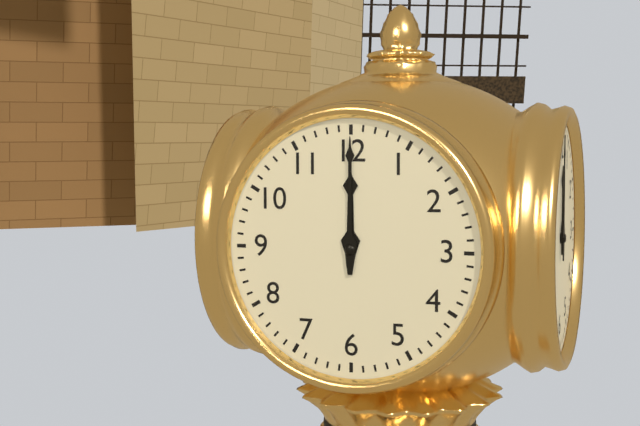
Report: 12:00
